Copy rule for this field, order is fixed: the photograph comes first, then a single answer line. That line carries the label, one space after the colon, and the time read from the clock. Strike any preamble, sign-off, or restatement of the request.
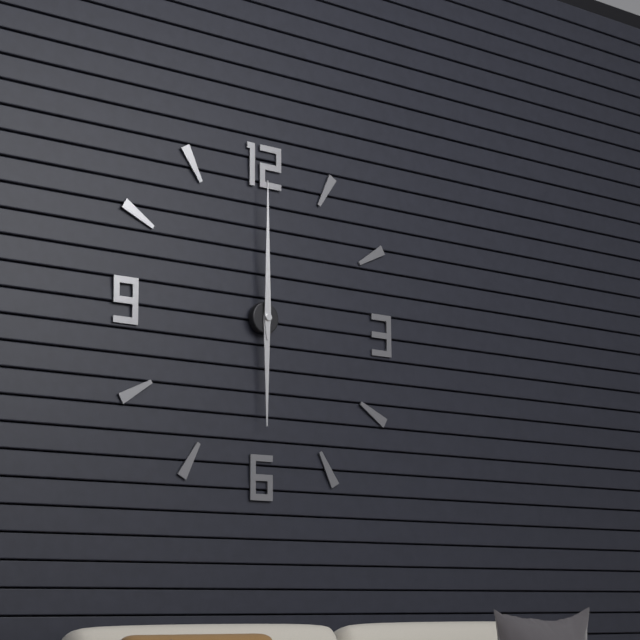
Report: 6:00
